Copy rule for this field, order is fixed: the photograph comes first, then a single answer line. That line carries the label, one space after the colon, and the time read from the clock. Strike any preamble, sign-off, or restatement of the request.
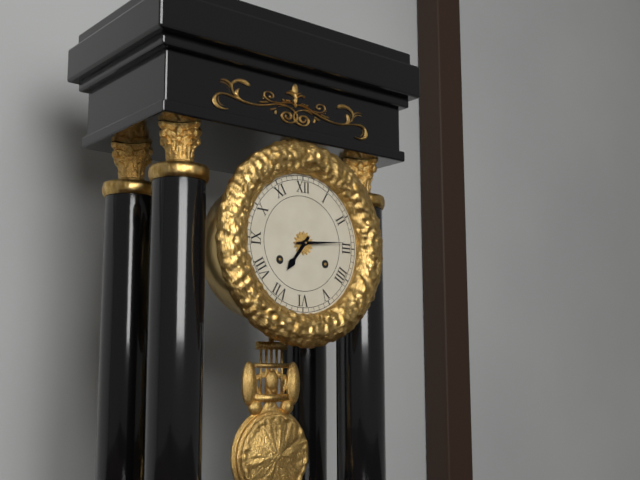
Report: 7:14
